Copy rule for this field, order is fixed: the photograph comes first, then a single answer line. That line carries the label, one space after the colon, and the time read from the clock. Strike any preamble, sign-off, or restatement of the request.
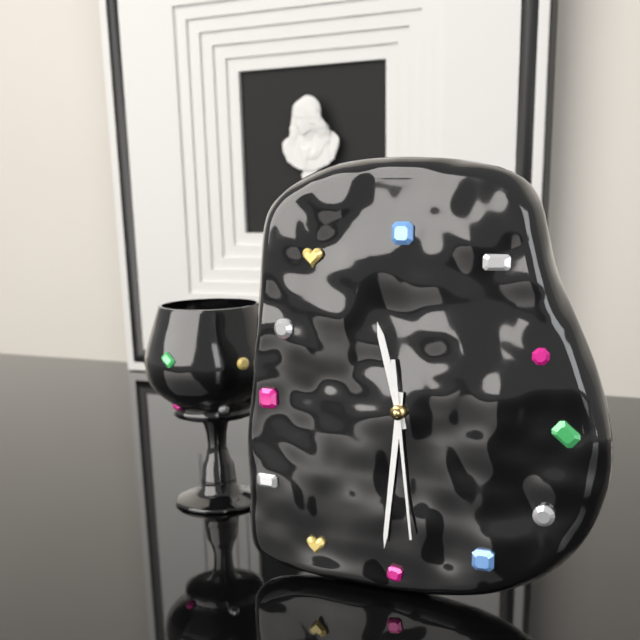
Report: 11:31:29
